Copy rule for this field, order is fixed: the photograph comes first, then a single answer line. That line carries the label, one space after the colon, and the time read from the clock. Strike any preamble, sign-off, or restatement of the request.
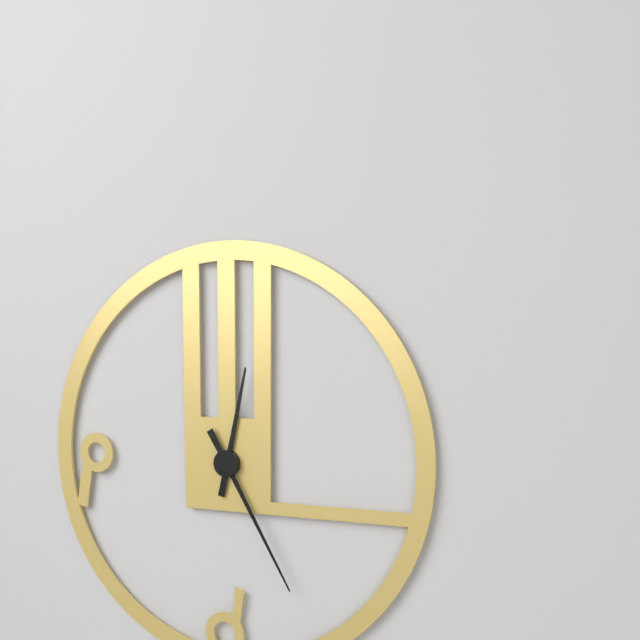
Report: 12:25
